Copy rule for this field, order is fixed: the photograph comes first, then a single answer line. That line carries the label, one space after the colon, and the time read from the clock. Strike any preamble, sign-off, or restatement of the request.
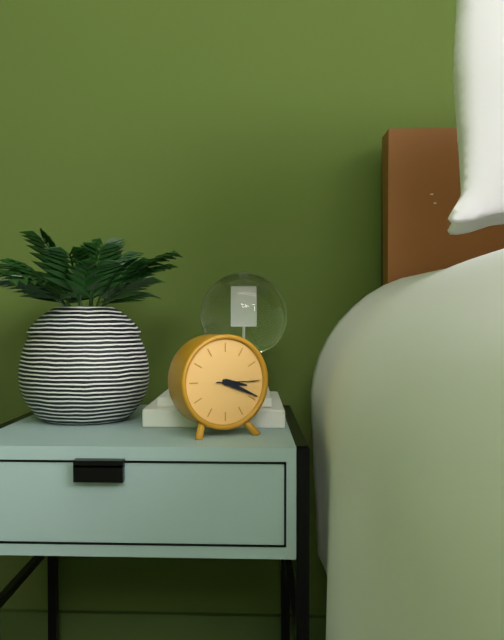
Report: 3:19
